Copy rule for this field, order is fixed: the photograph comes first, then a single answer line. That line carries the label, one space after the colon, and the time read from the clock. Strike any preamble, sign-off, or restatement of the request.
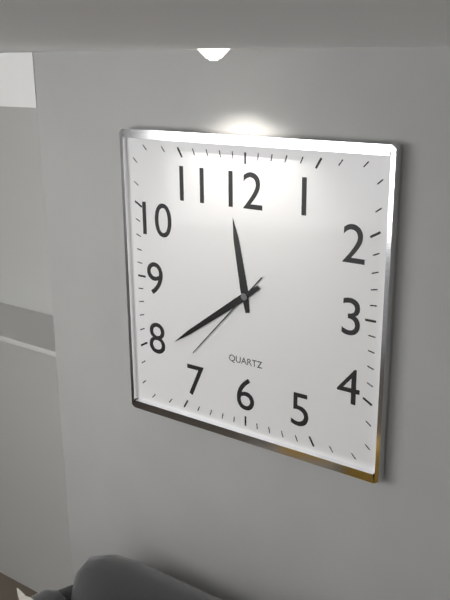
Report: 11:39:37
